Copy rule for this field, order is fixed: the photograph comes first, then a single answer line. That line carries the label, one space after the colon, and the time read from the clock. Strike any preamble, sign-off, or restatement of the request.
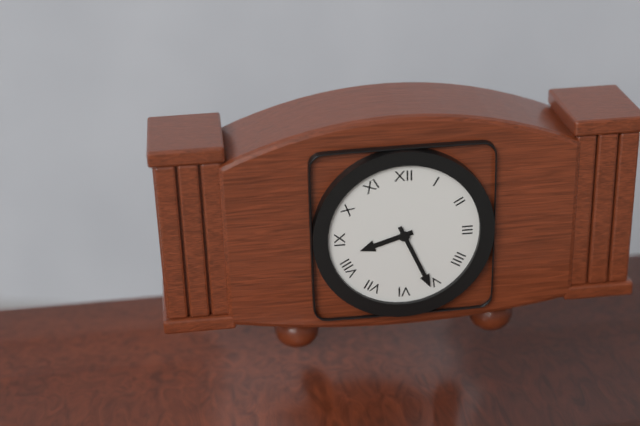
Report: 8:26
